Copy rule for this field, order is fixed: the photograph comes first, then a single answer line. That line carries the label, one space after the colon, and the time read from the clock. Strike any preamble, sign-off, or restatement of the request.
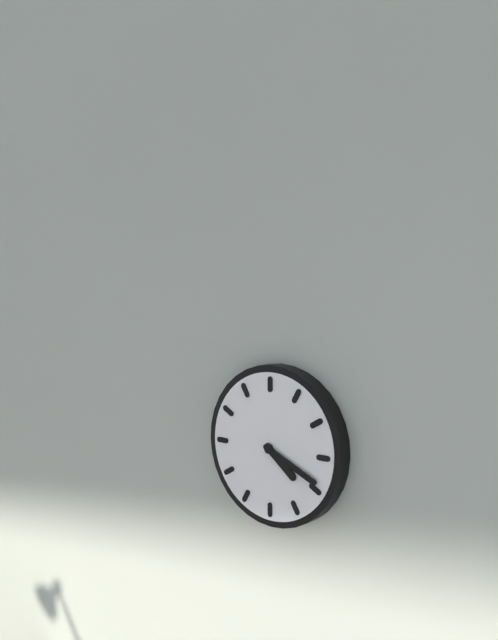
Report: 4:19
